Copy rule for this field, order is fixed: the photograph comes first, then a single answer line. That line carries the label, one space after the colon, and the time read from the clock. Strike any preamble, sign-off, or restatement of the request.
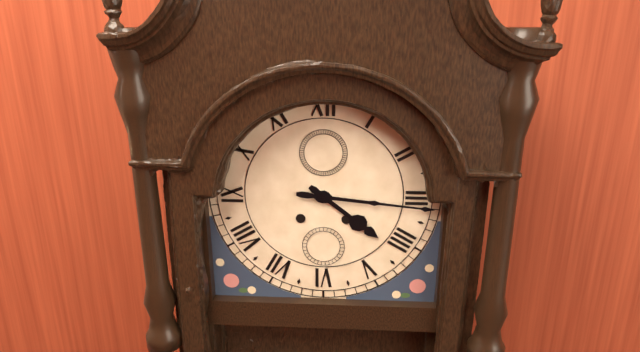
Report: 4:16
